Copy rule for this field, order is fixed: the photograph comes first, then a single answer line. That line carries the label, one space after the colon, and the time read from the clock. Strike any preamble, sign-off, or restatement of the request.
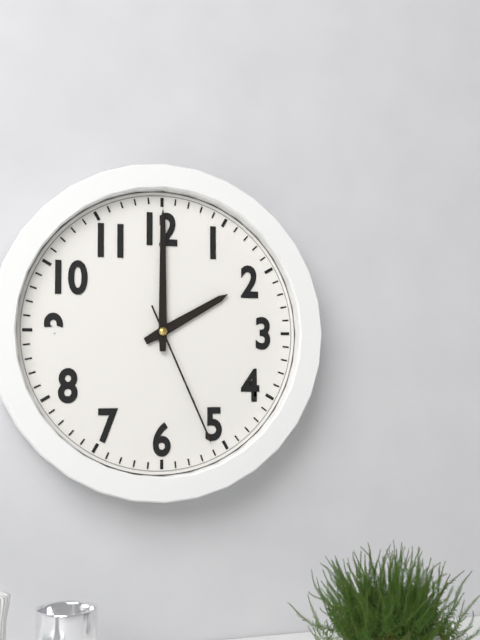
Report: 2:00:26
